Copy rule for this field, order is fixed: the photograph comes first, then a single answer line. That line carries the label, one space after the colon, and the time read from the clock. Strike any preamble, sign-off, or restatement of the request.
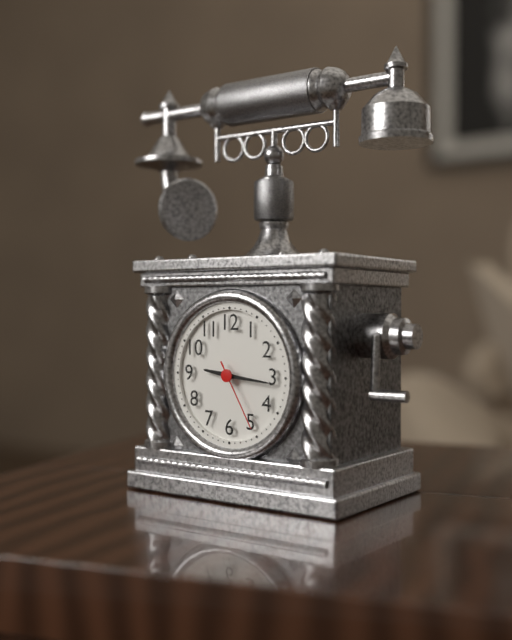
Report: 9:16:25
